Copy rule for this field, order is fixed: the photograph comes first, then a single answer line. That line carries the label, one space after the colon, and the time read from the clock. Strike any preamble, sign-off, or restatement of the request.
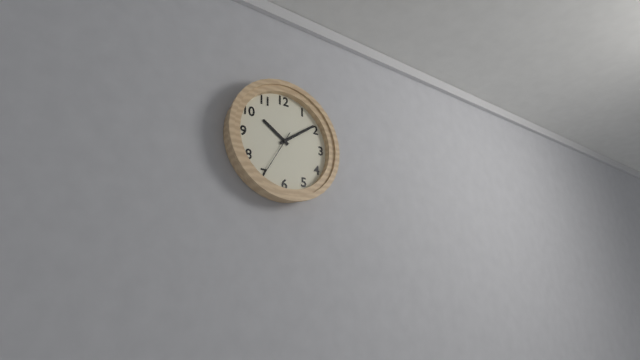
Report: 10:09
